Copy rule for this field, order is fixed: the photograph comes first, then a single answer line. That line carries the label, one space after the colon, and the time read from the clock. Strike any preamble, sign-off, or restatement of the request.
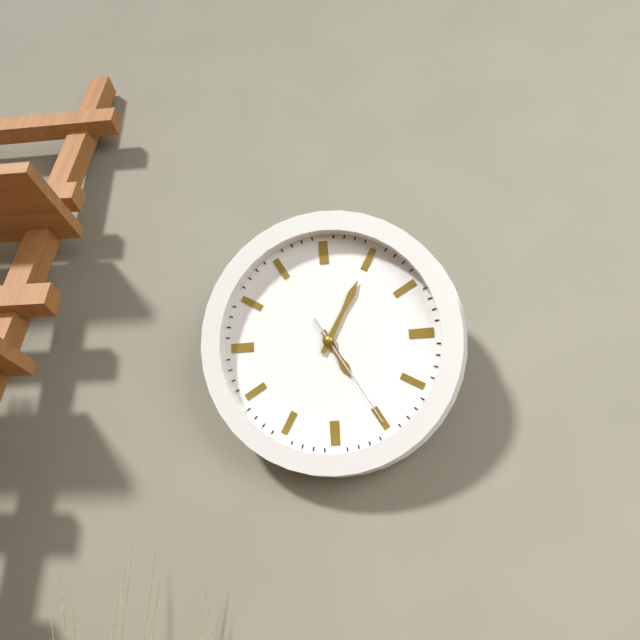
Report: 5:05:25
